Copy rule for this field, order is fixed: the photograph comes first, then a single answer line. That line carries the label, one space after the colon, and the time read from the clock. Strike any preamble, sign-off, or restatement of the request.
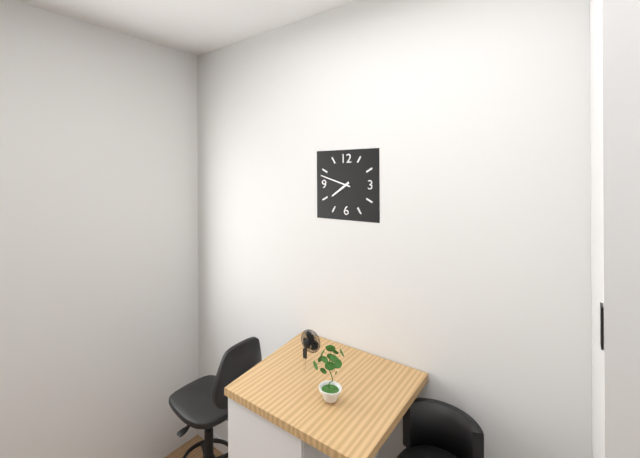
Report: 7:48
